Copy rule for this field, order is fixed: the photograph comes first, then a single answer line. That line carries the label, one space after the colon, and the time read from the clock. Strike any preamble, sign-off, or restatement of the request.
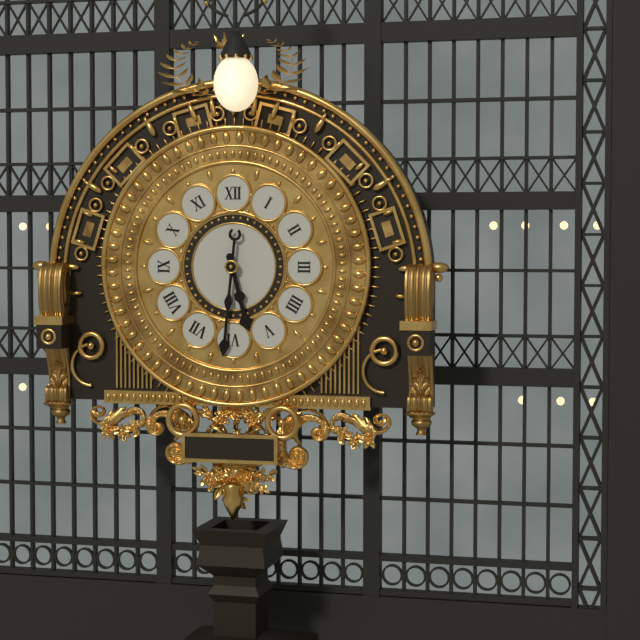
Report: 5:31
